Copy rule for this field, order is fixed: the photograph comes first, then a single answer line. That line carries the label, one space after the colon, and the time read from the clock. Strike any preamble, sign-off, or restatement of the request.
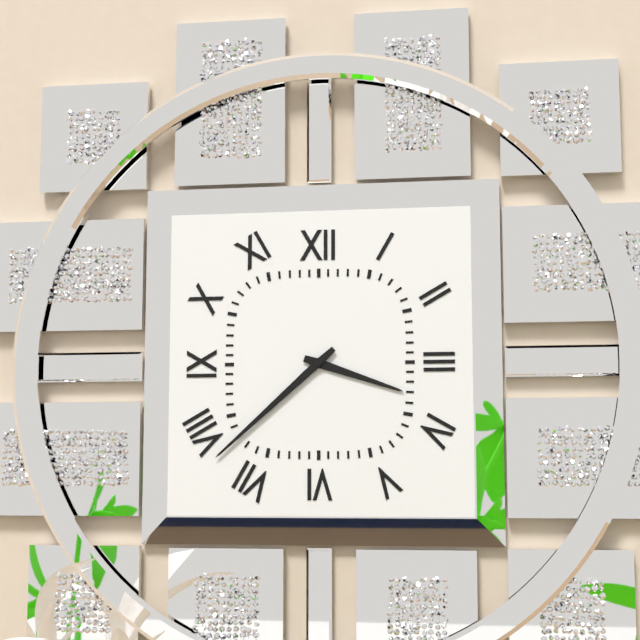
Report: 3:38
